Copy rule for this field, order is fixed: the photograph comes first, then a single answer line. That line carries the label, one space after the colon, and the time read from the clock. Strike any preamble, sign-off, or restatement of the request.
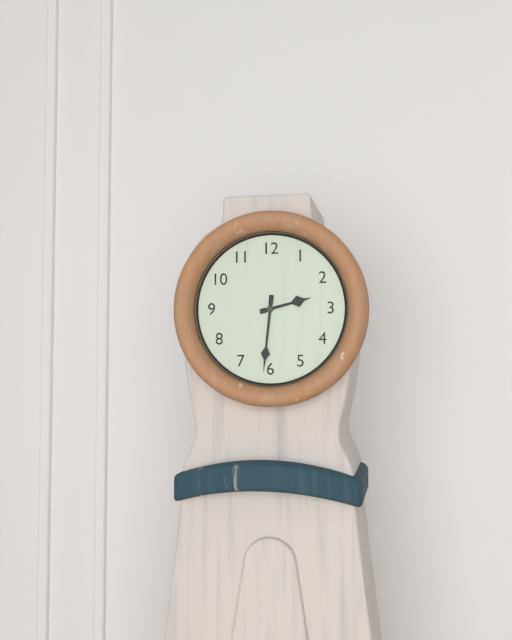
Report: 2:31
